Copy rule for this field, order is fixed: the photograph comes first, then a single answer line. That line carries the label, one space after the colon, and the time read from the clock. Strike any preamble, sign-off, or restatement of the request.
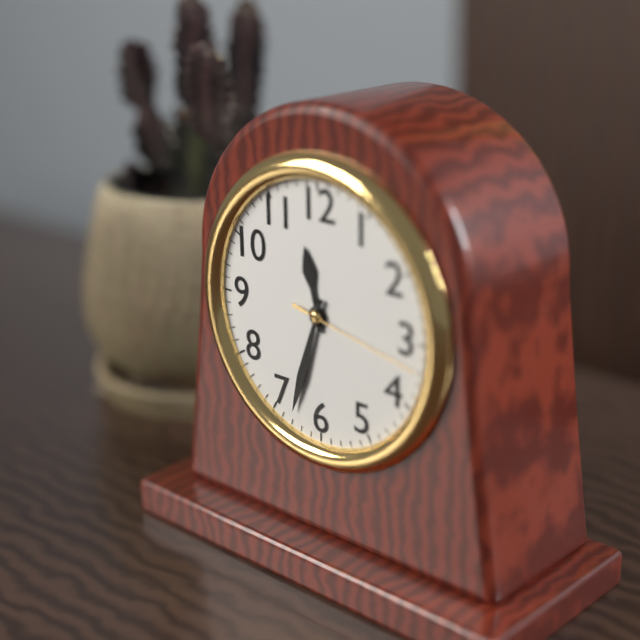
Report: 11:33:17
